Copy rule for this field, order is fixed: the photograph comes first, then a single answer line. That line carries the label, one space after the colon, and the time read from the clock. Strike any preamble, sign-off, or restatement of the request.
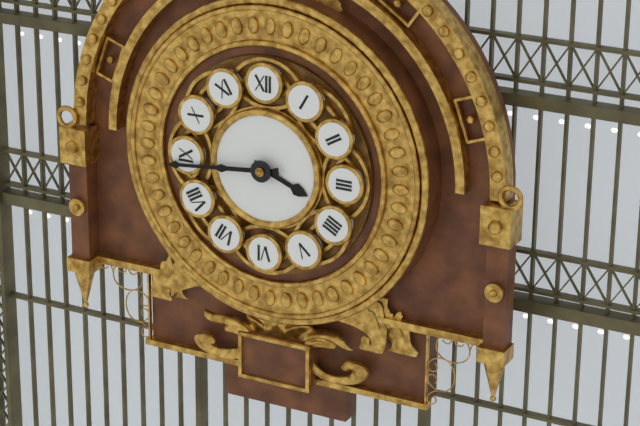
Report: 3:44
